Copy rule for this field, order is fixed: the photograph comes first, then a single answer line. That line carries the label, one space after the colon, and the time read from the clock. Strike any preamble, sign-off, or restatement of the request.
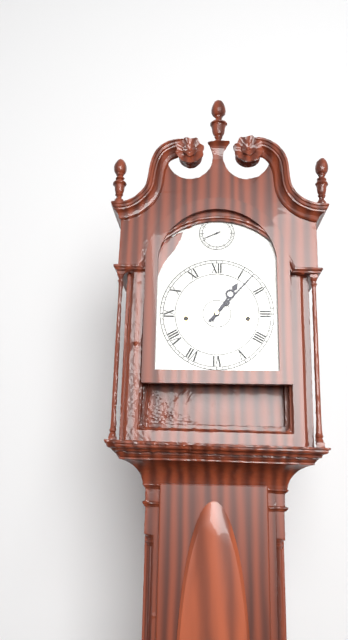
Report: 1:07
